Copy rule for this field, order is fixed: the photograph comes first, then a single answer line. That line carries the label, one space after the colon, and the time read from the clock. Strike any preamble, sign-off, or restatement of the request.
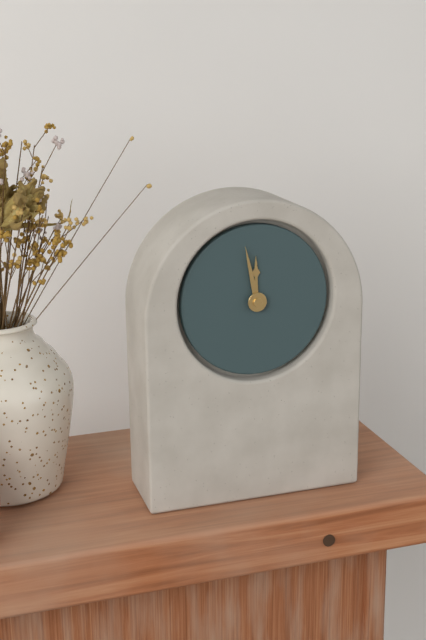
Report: 11:58
